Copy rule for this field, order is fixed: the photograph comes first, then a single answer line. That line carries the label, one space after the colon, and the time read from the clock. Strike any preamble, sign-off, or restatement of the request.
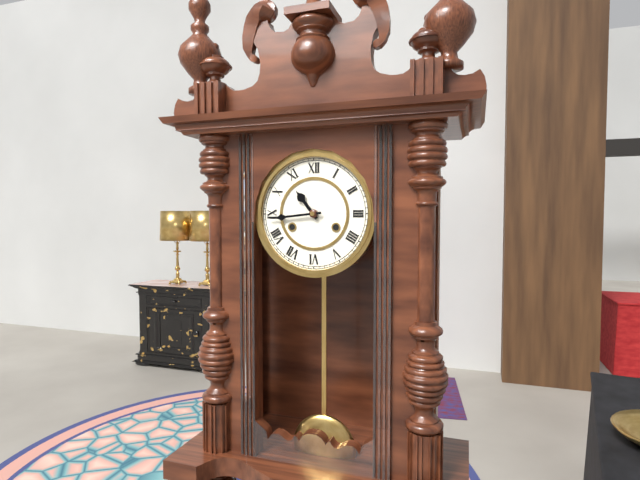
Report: 10:44
